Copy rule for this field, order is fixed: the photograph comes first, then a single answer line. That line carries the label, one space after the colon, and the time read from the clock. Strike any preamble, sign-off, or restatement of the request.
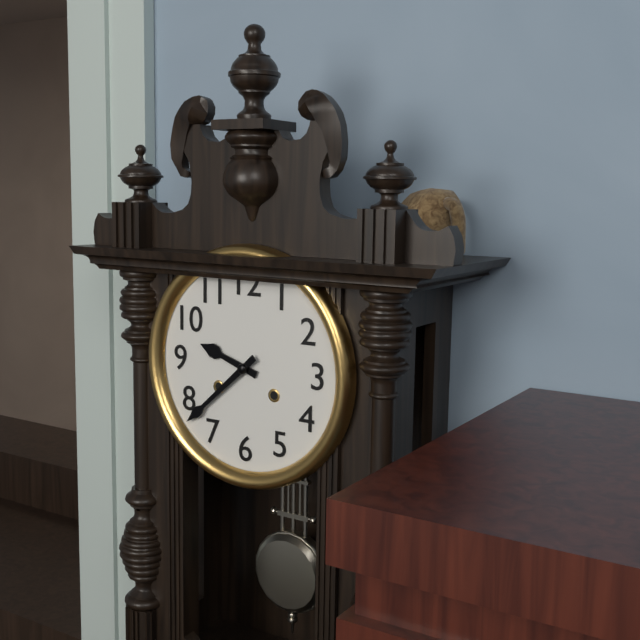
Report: 9:38
